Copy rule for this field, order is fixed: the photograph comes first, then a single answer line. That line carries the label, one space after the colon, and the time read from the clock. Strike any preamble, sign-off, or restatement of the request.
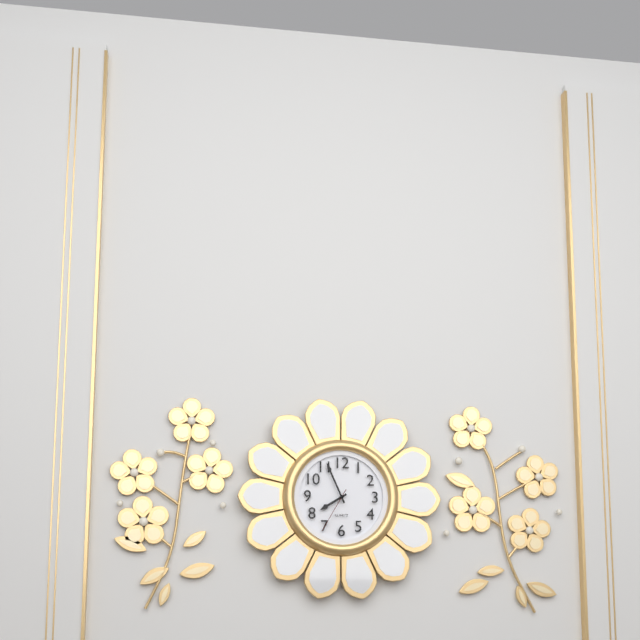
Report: 7:56
